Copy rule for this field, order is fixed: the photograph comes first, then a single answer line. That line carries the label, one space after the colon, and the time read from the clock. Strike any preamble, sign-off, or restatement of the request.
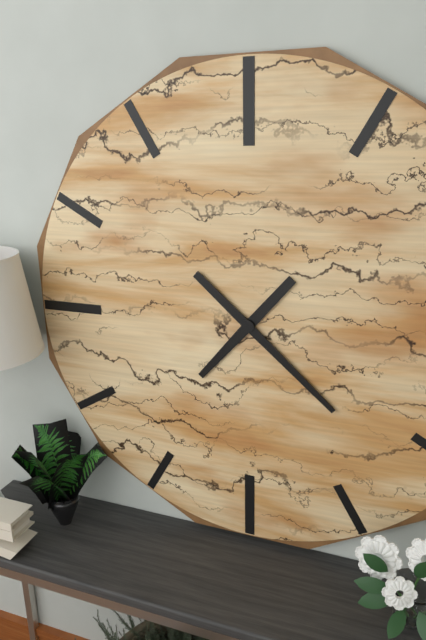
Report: 7:22
